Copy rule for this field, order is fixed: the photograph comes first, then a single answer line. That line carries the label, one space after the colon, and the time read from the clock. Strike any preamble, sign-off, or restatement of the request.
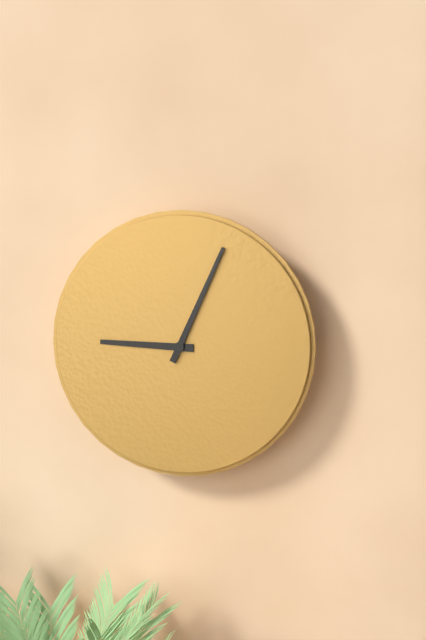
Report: 9:04
